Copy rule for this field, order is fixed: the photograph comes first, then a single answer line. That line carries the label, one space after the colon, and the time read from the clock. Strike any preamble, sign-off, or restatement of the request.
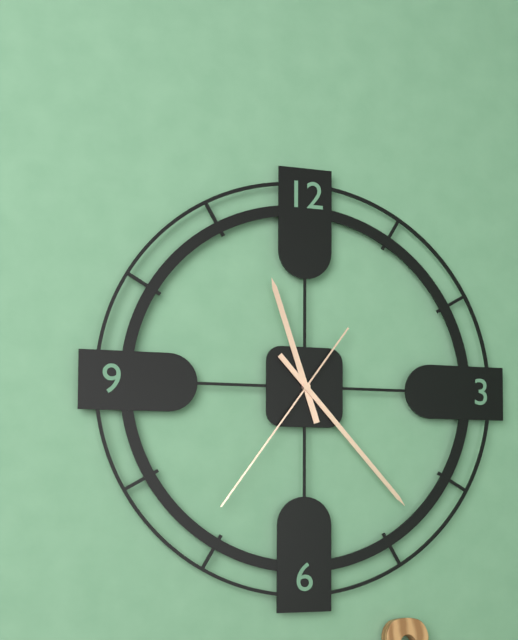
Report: 11:23:36
